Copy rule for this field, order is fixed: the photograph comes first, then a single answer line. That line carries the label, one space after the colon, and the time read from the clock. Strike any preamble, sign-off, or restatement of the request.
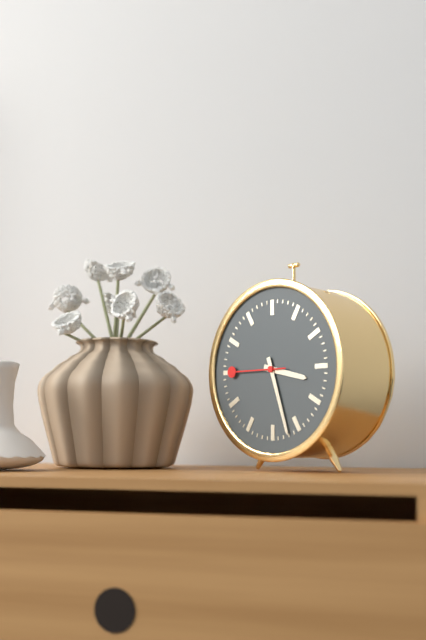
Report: 3:27:45
